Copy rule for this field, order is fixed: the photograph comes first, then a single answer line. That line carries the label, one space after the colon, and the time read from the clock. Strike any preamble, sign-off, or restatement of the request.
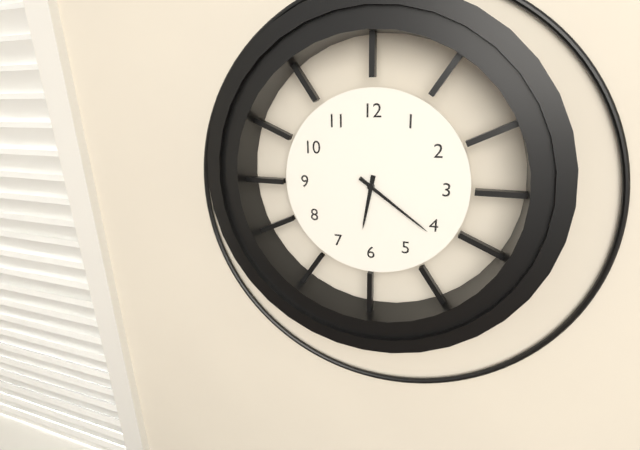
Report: 6:21
